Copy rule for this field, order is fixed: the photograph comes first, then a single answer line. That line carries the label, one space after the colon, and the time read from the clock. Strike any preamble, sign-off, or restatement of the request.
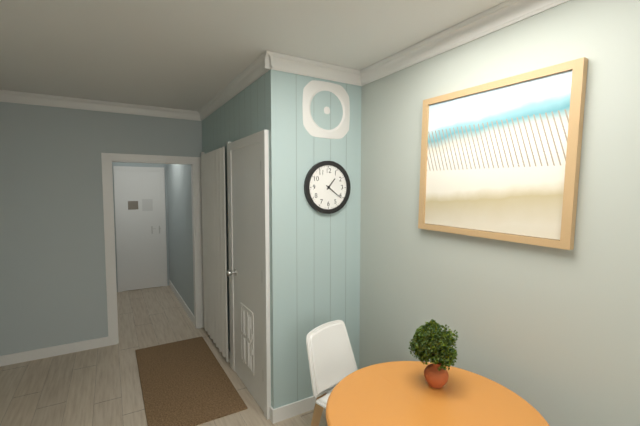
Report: 1:21
